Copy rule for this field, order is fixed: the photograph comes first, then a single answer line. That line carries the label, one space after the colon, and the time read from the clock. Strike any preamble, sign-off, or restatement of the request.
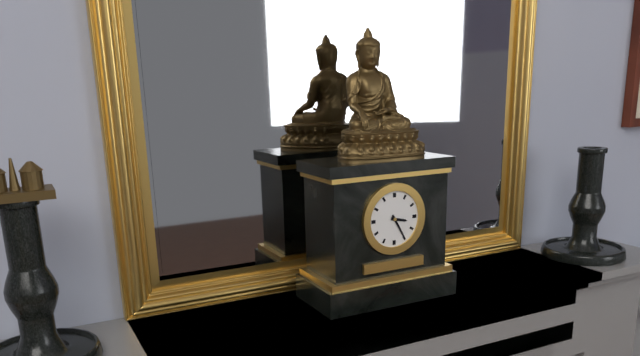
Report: 3:25
